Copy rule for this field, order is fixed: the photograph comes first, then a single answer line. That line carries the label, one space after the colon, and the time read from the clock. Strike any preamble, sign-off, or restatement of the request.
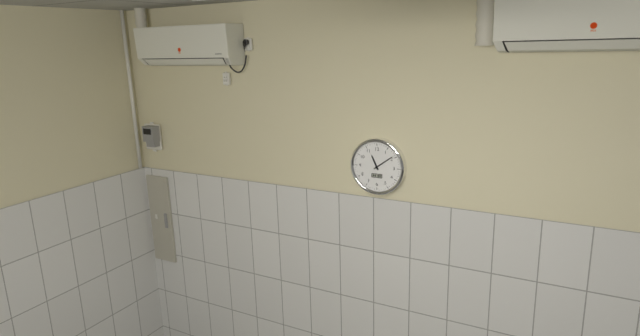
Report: 11:09
